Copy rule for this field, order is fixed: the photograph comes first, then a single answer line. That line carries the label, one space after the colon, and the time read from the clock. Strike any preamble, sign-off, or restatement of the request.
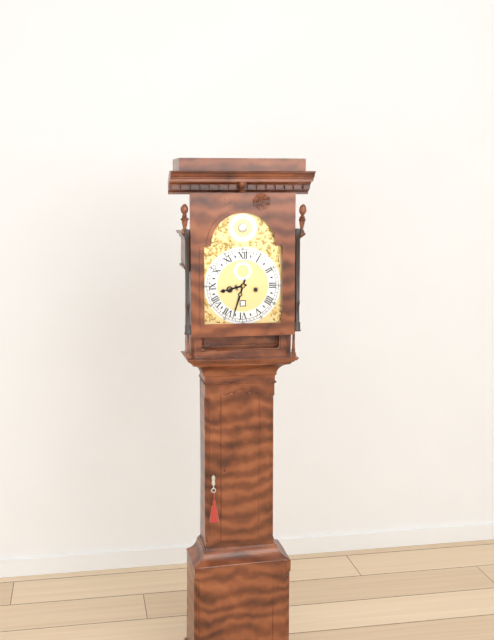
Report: 8:33
